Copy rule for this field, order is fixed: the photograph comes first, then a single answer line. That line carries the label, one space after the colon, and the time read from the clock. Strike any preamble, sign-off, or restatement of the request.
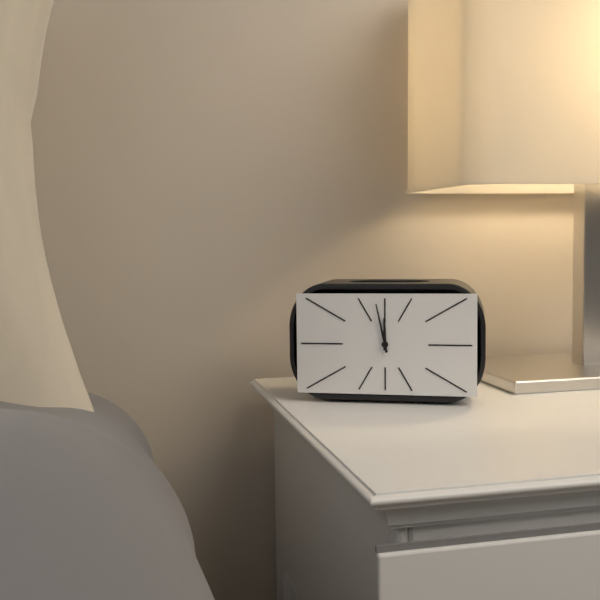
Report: 11:58
